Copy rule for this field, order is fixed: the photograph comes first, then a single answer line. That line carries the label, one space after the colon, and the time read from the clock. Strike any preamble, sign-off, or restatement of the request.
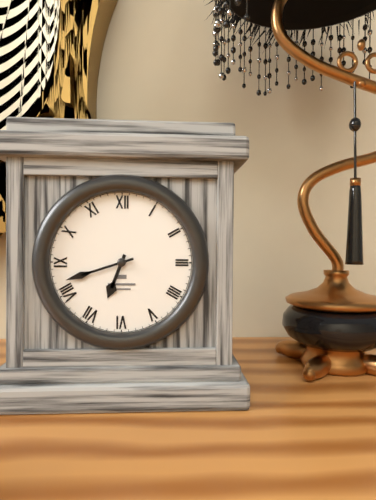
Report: 6:42
